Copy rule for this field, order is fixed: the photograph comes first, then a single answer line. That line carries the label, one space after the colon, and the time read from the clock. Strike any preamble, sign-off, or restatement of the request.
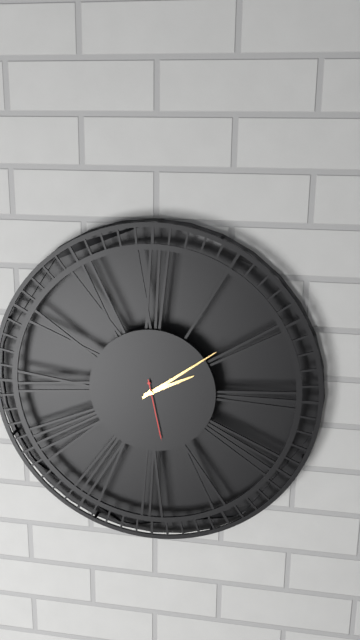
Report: 2:09:28
